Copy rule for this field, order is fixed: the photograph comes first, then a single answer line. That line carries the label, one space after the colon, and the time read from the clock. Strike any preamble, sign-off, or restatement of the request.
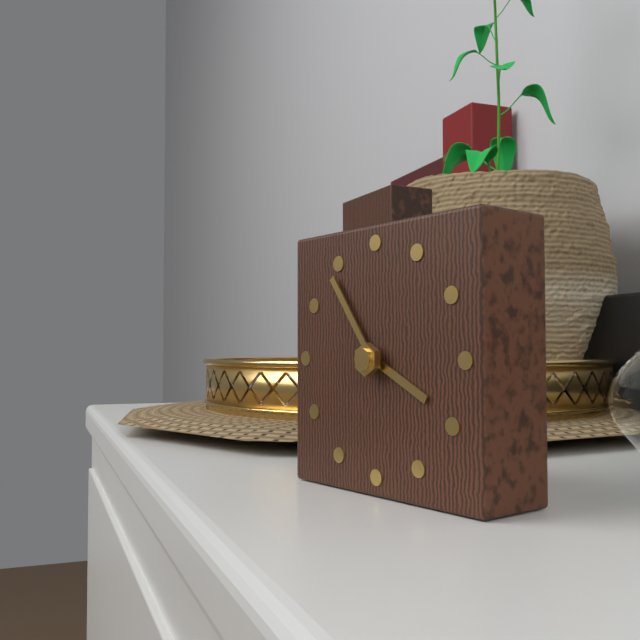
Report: 3:54
